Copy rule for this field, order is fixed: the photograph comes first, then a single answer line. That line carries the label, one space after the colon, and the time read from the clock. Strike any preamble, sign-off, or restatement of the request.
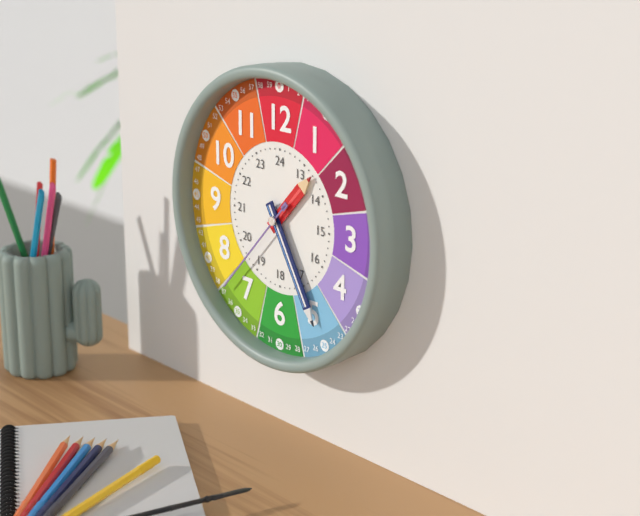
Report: 1:25:37
